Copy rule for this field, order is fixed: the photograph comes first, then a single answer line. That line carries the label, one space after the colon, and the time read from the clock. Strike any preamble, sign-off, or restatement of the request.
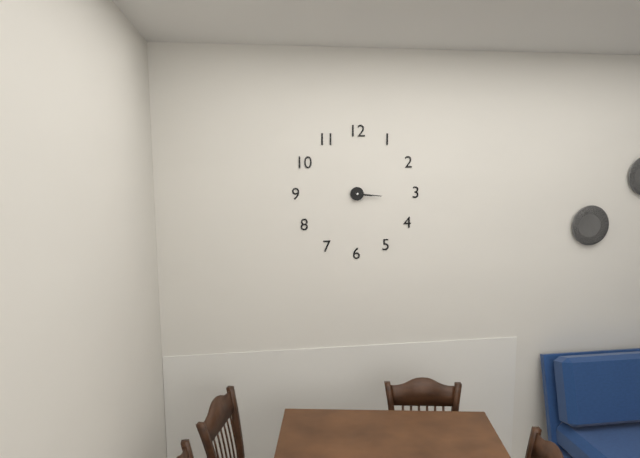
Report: 3:16
